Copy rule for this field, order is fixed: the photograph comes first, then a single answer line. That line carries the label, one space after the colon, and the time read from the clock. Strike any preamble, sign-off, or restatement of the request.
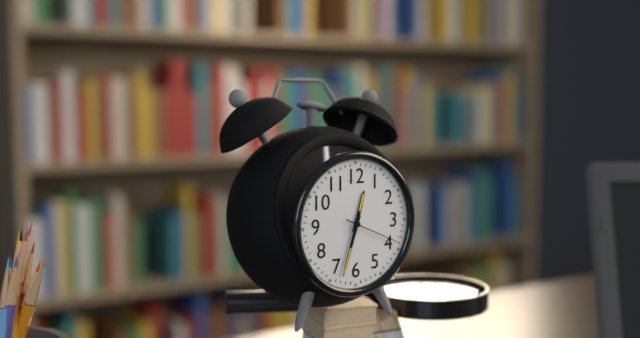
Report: 12:33:19
